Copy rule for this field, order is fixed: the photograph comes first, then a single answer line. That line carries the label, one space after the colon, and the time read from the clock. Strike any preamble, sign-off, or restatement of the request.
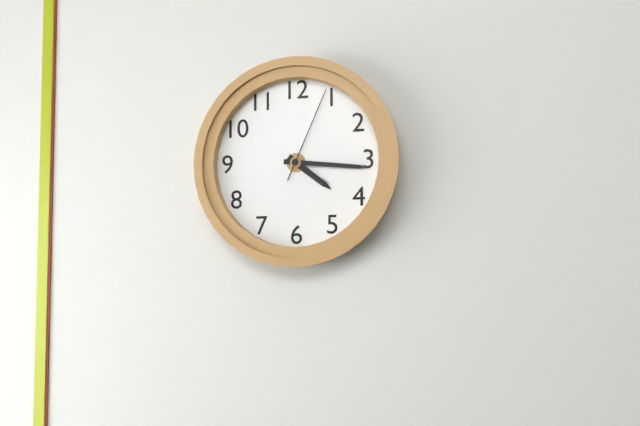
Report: 4:16:04
